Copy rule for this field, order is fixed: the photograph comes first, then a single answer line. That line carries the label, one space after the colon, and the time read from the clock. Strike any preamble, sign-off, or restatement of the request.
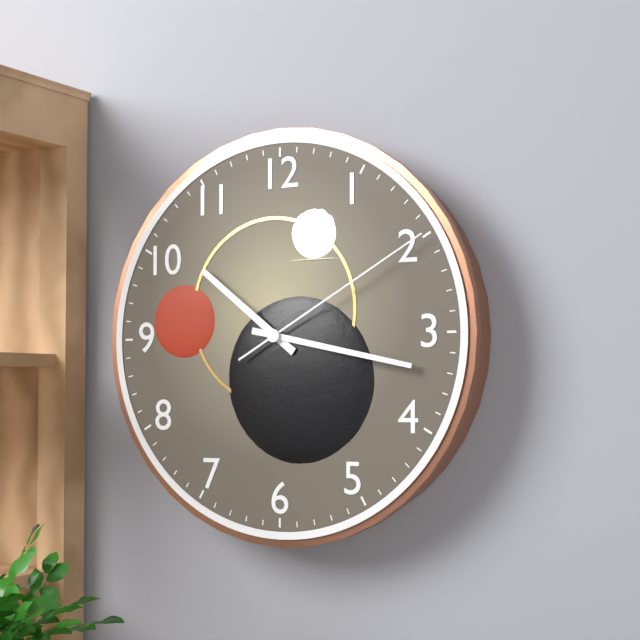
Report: 10:17:10
